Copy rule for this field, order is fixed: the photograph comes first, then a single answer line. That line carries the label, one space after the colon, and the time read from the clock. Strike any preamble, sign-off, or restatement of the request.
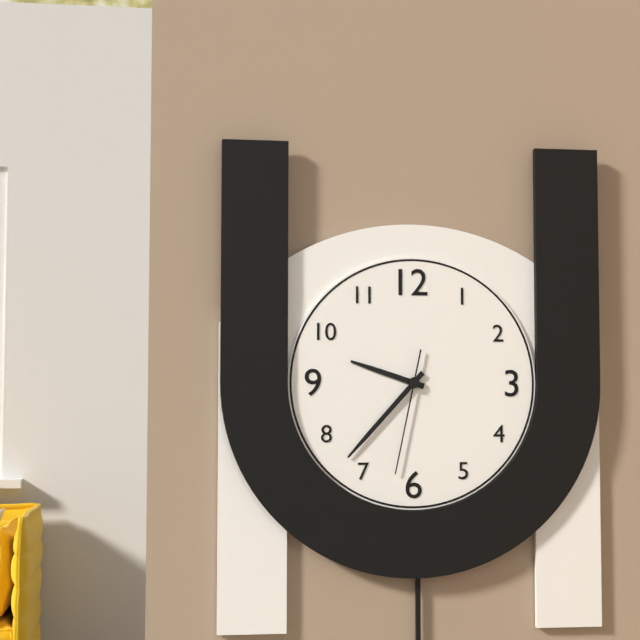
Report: 9:37:32
